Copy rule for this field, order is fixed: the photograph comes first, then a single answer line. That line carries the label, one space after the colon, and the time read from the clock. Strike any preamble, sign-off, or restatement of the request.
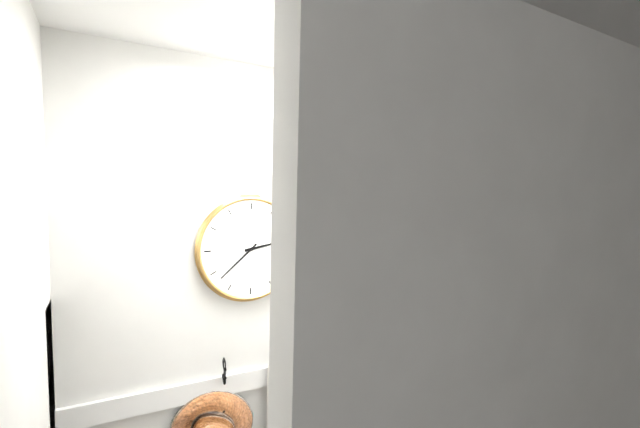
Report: 2:38
